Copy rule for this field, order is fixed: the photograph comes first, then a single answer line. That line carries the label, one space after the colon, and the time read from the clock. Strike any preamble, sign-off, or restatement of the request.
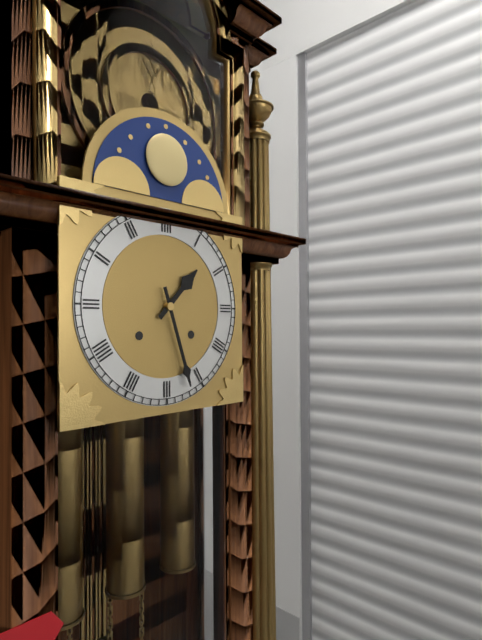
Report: 1:27
